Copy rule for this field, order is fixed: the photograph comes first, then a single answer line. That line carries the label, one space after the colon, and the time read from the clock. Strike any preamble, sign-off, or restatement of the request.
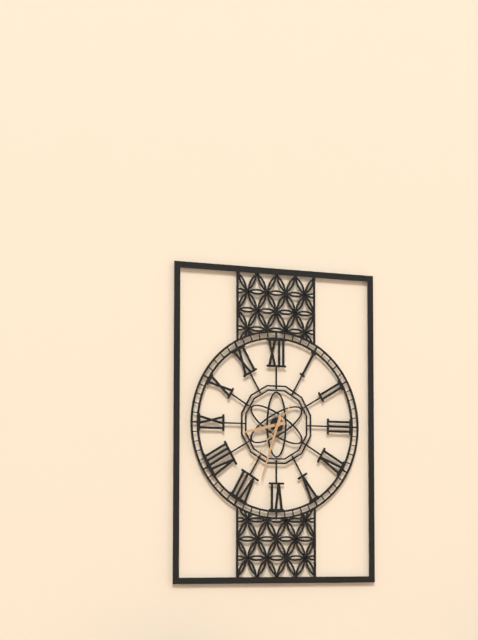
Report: 8:33:36
